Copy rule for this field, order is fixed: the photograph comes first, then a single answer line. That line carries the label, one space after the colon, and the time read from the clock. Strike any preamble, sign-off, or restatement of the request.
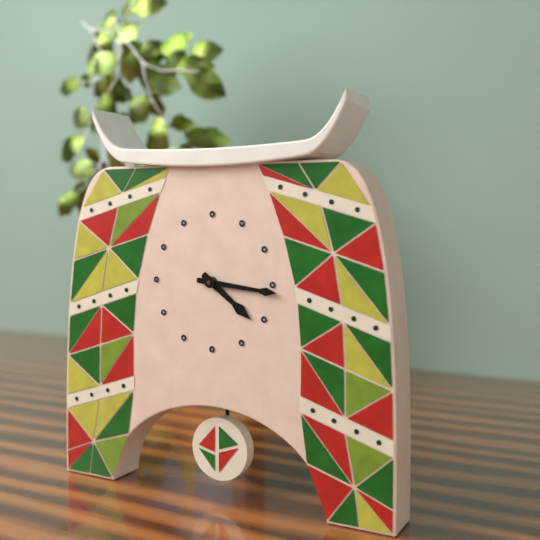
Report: 4:16
